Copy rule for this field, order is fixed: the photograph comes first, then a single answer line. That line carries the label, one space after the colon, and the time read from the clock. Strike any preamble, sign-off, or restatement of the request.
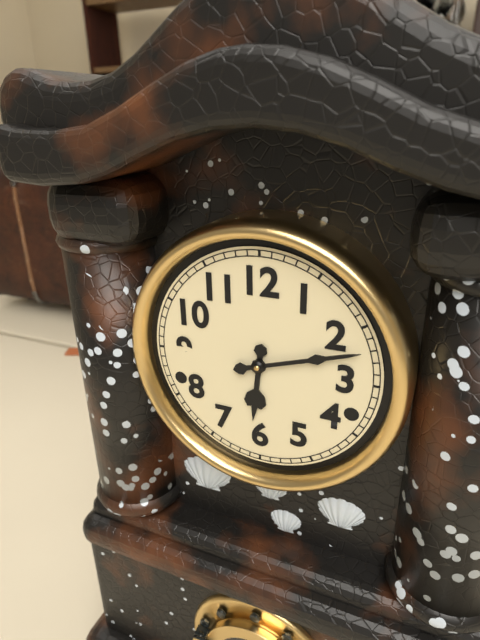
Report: 6:12
